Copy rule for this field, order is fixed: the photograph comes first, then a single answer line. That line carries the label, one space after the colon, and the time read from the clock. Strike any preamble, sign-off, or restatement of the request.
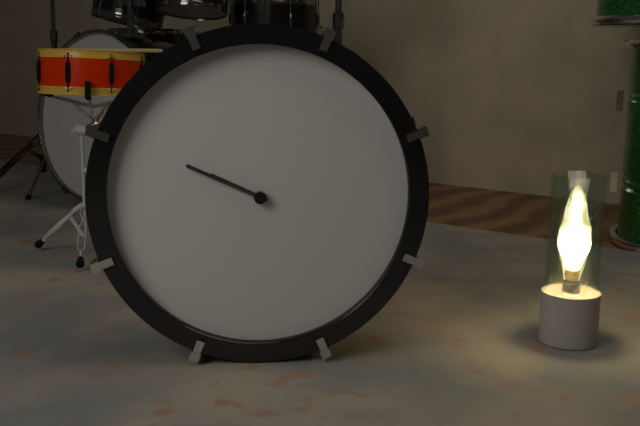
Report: 9:49
